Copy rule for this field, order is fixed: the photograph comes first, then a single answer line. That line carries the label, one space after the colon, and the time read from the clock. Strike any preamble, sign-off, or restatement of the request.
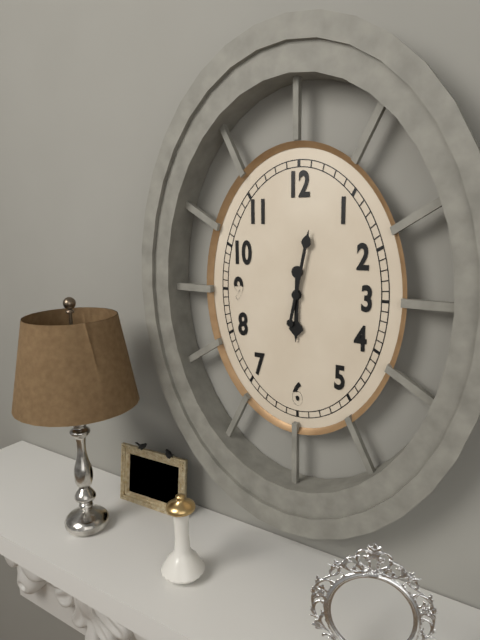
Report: 6:02
